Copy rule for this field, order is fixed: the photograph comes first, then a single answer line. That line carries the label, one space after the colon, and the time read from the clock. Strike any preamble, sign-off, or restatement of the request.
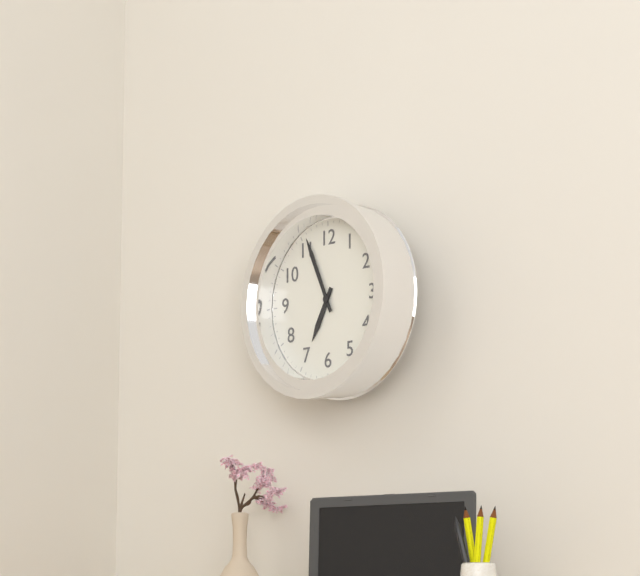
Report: 6:56
